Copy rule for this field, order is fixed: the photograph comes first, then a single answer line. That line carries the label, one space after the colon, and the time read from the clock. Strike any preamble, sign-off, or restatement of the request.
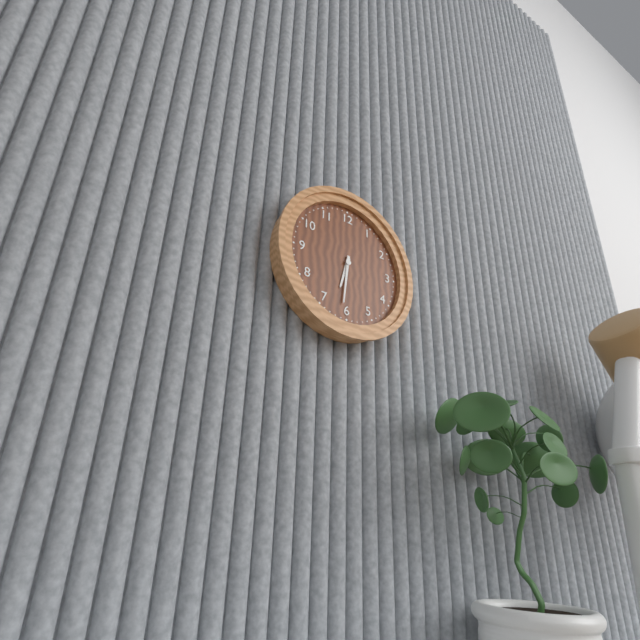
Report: 6:31
